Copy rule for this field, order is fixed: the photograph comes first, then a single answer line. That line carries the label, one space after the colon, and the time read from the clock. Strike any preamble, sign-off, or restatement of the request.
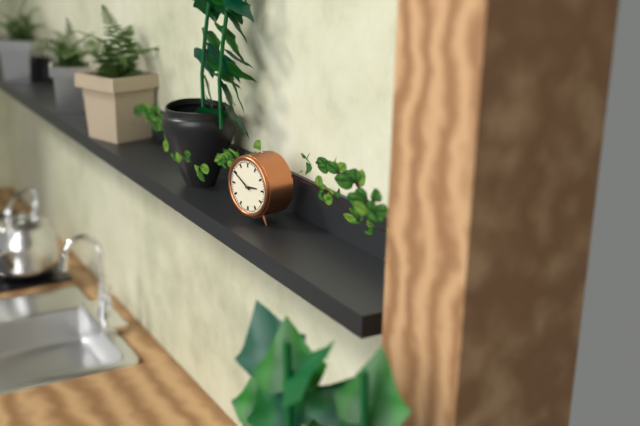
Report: 2:50
